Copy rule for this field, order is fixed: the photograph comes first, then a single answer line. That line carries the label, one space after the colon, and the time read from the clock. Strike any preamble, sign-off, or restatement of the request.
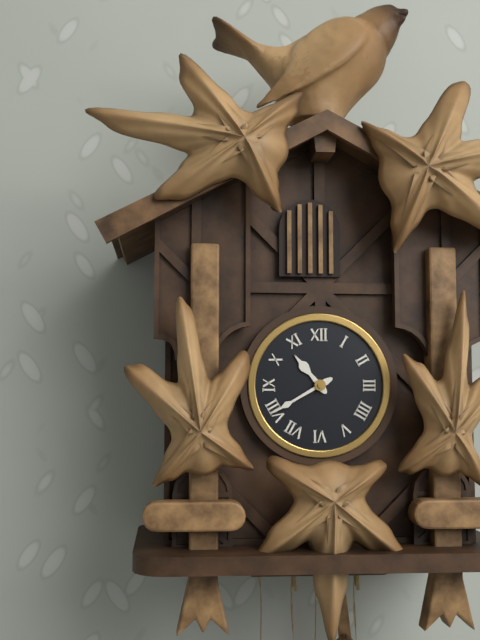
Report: 10:40
